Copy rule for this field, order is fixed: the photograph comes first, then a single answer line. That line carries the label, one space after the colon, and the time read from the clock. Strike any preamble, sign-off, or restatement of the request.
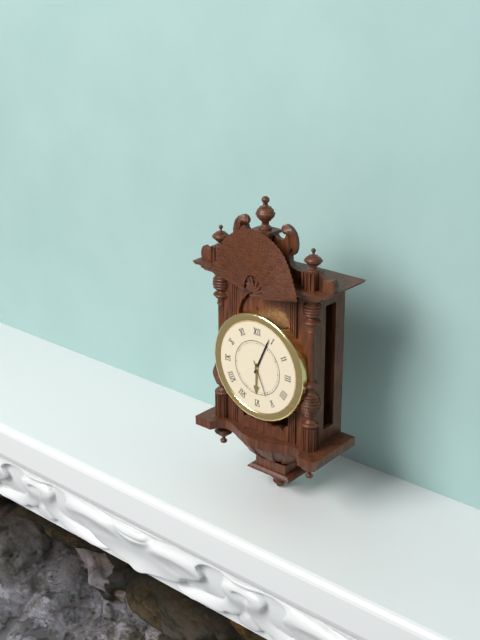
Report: 6:04
